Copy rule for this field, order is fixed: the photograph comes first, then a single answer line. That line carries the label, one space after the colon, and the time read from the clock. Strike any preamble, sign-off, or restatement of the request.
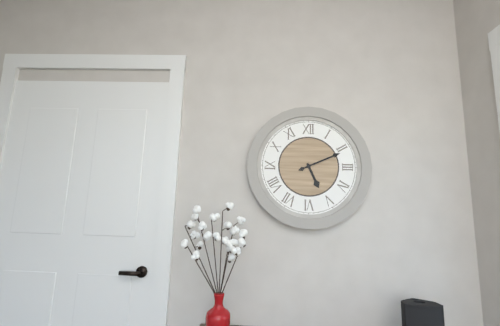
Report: 5:11
